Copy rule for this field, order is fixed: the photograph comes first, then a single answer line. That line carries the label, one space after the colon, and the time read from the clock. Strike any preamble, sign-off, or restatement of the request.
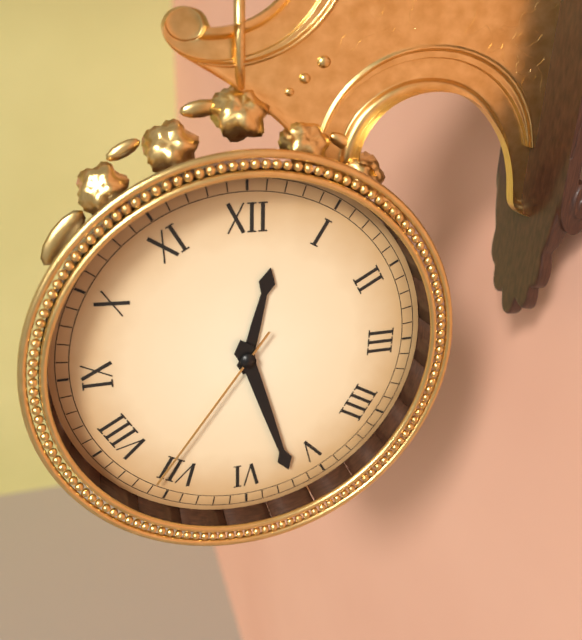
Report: 12:27:36
